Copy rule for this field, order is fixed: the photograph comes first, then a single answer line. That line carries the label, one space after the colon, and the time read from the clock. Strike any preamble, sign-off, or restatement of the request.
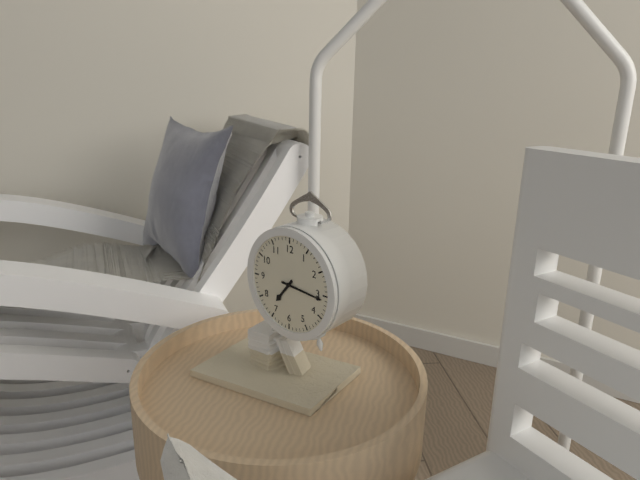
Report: 7:16
